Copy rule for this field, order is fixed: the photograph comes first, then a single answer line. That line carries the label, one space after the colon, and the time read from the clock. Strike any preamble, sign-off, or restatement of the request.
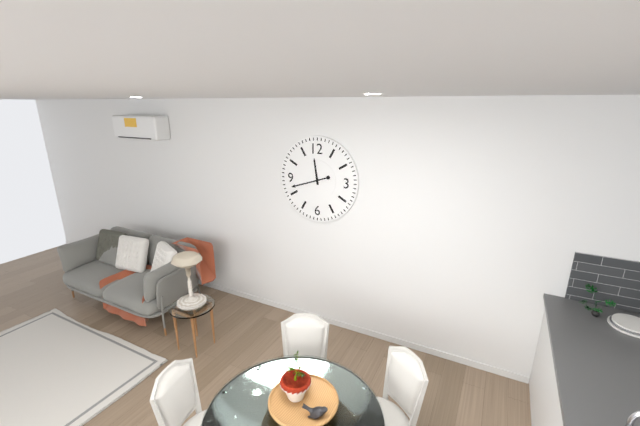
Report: 11:42
